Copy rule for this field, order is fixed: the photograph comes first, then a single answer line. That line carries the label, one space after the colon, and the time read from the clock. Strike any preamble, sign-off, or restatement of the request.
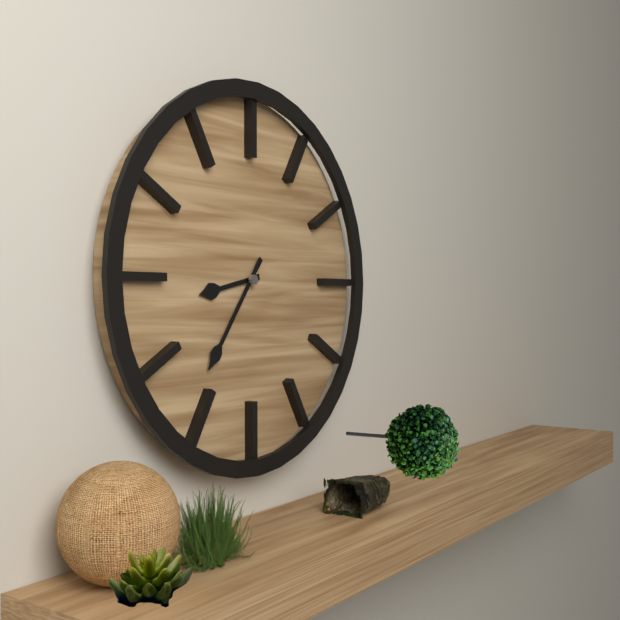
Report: 8:36
